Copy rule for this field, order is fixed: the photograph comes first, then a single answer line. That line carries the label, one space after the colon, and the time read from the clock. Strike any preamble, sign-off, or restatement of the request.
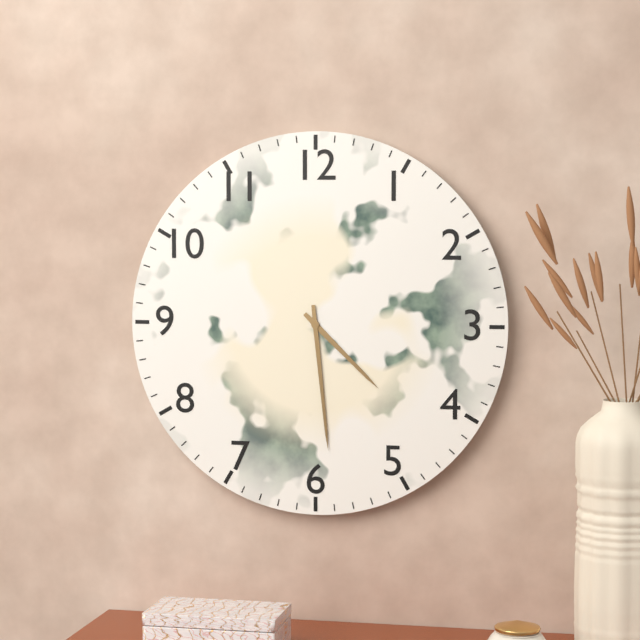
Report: 4:29
